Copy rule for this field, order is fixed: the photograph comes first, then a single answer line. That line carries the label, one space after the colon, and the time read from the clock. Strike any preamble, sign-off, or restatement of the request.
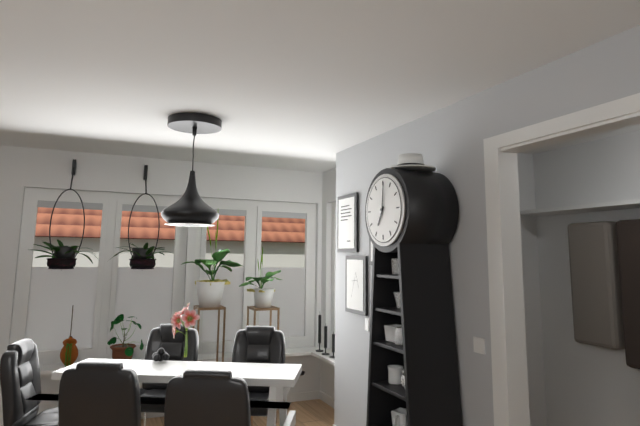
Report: 7:01
